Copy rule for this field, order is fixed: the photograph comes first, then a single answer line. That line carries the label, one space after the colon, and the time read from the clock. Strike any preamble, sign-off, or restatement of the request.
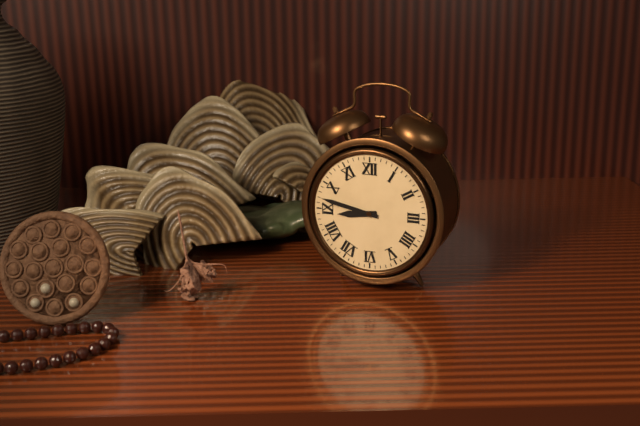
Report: 8:47
